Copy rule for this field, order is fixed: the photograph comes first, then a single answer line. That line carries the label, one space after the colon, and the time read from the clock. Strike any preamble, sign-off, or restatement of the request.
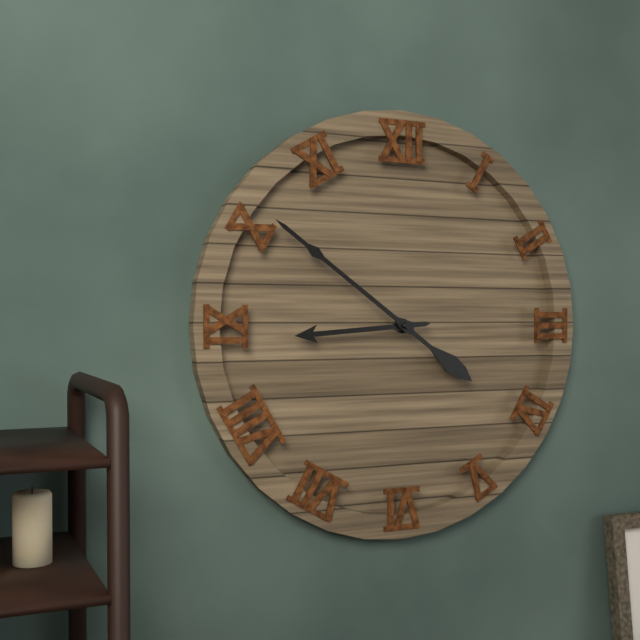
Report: 8:51
